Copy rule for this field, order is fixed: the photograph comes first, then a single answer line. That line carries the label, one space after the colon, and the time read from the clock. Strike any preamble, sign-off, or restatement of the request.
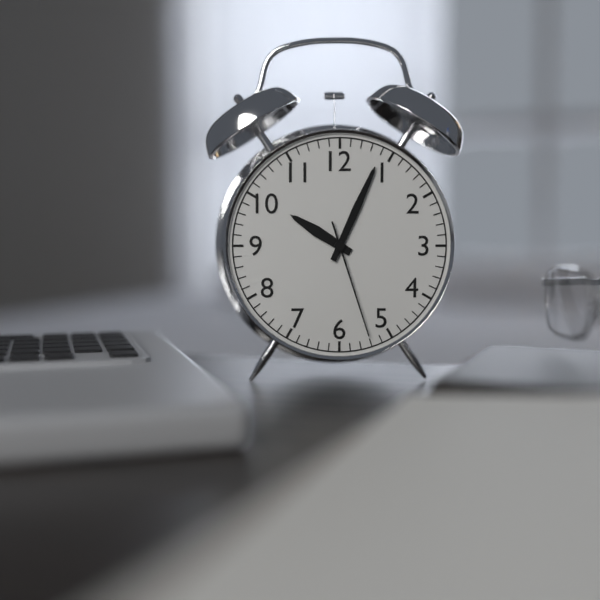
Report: 10:04:27
